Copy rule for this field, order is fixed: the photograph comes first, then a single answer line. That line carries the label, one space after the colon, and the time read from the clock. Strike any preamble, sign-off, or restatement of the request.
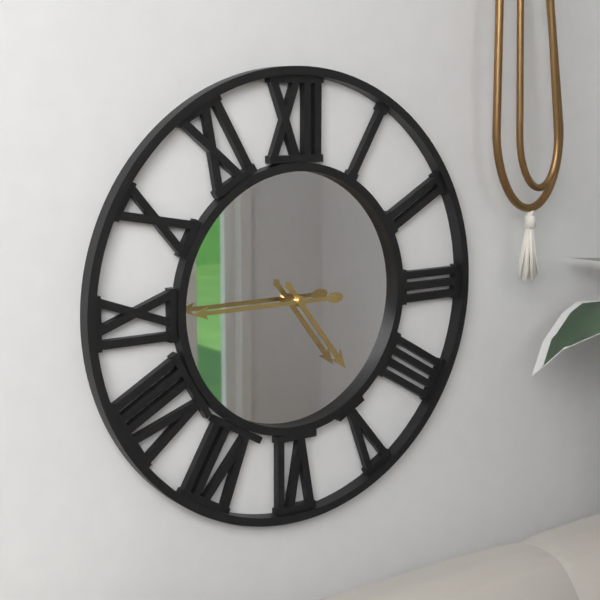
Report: 4:45
